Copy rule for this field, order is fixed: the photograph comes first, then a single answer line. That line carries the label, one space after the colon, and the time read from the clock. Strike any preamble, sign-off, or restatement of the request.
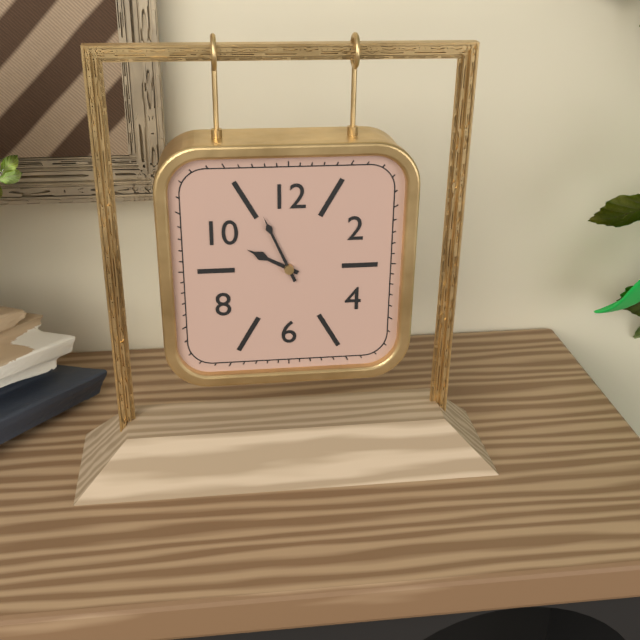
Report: 9:56
